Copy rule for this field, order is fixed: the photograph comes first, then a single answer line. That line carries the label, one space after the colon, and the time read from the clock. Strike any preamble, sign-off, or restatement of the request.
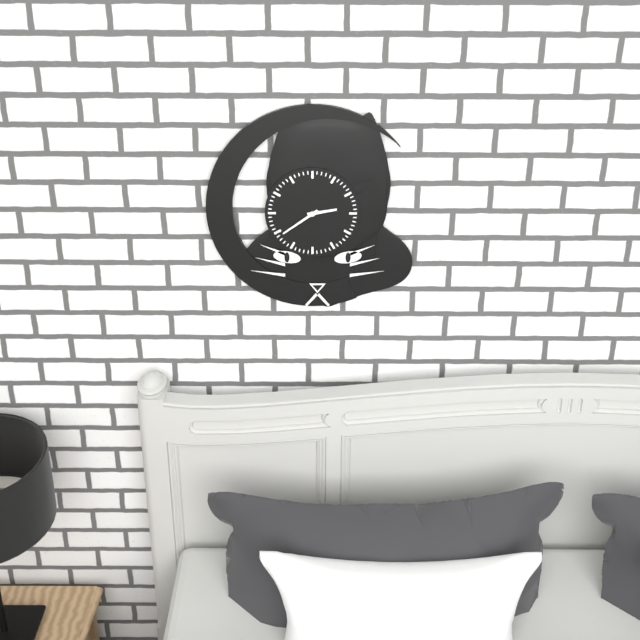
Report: 2:39
